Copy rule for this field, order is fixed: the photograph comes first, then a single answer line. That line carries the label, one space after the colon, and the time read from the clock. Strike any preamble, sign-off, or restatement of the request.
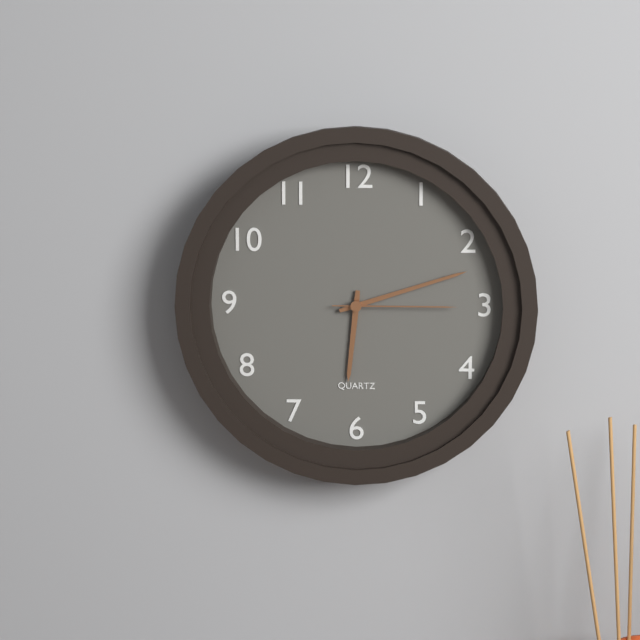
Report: 6:12:15
